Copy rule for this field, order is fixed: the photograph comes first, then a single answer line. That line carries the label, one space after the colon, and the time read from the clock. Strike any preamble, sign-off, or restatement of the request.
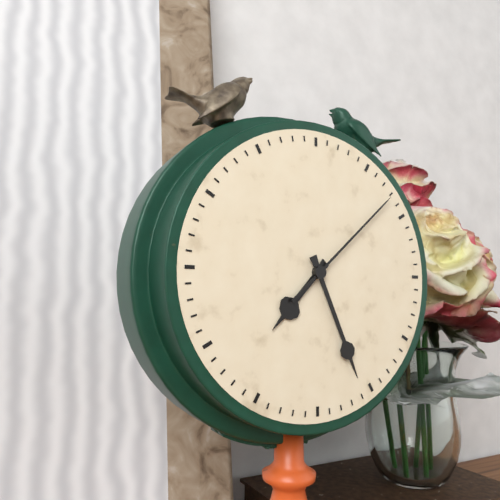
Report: 7:26:08
